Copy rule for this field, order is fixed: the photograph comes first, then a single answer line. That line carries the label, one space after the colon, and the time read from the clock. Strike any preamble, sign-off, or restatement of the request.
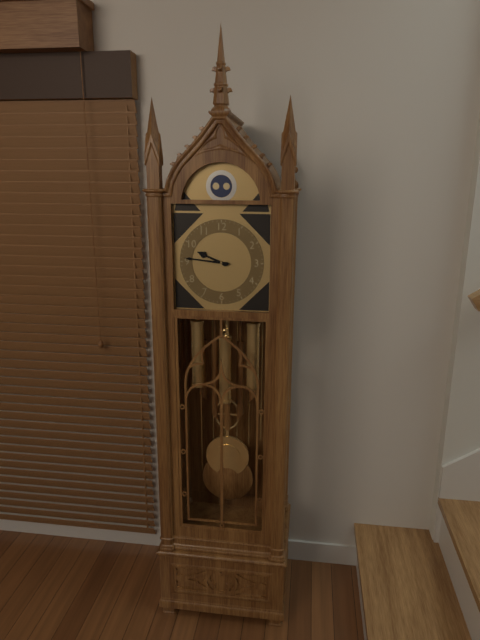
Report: 9:46
